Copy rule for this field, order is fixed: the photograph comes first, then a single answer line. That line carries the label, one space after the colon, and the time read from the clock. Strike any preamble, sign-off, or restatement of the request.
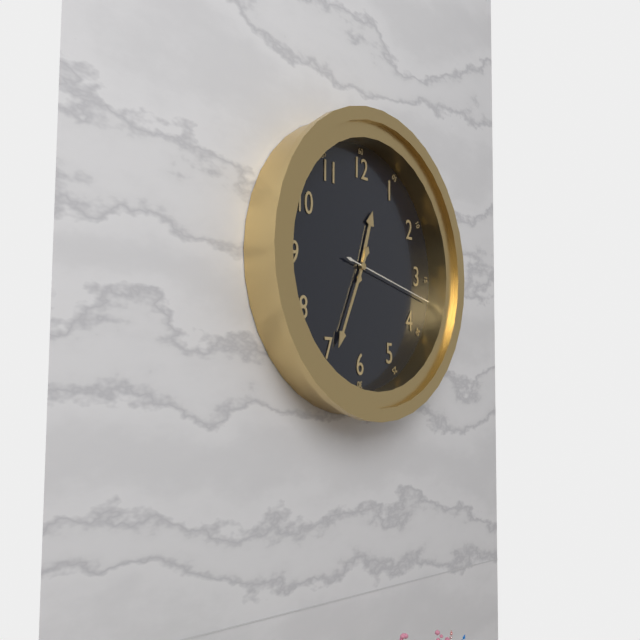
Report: 12:34:17
